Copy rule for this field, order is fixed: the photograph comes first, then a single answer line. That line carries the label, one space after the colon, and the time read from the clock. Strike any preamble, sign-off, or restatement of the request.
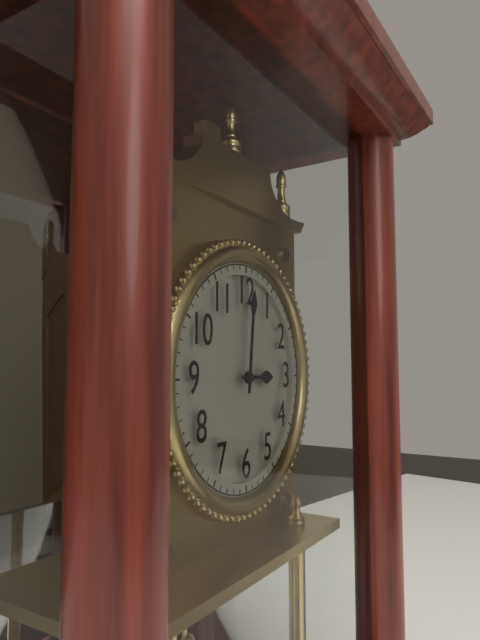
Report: 3:01
